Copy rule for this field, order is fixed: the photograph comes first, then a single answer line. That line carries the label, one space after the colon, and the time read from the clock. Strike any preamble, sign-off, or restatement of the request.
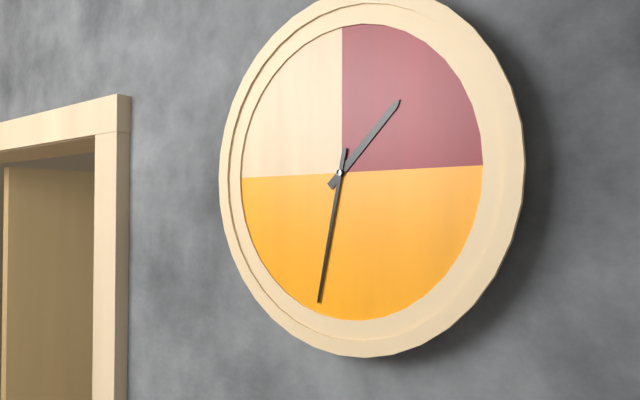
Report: 1:32
